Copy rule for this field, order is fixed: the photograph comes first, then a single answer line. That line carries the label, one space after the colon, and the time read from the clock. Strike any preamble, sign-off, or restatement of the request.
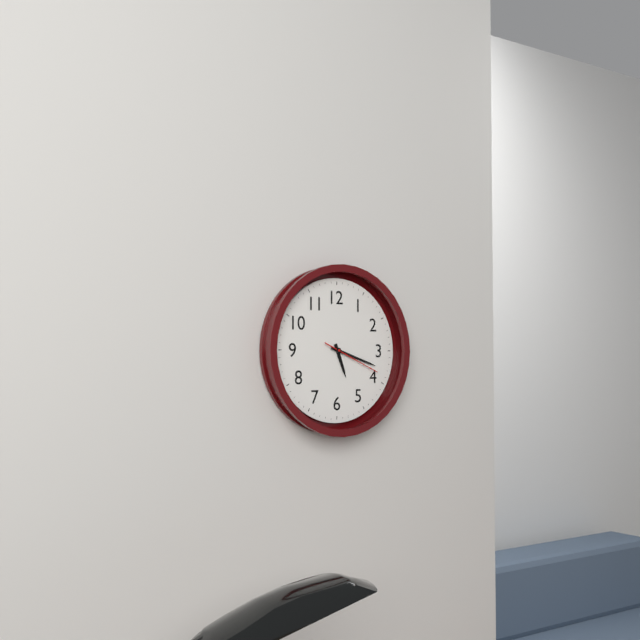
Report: 5:18:19
